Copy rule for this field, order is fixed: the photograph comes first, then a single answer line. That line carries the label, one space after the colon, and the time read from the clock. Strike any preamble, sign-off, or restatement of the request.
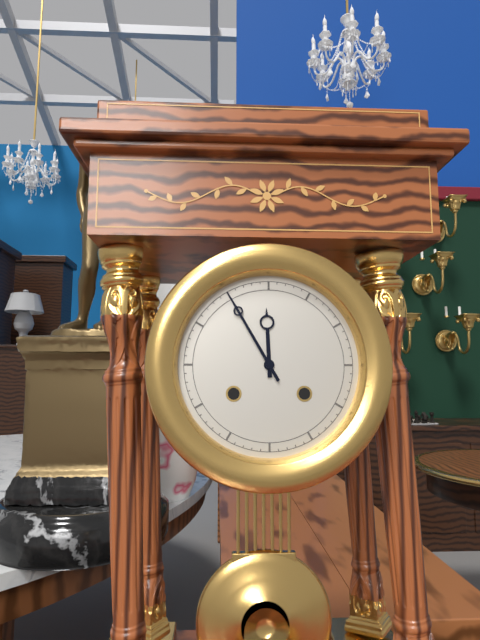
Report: 11:55
